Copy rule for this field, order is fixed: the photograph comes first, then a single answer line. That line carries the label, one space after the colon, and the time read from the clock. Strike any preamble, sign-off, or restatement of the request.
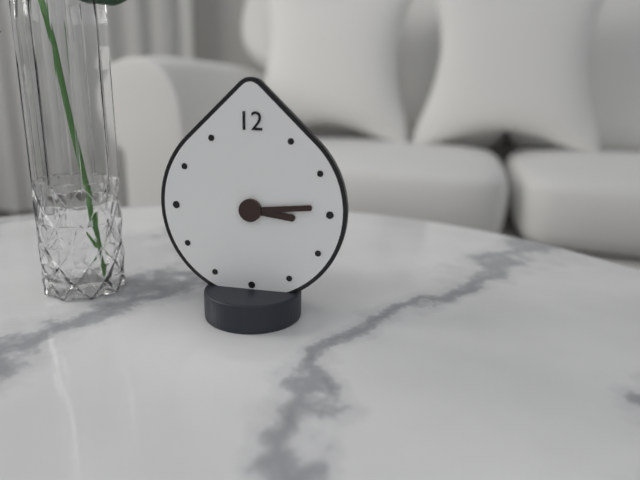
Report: 3:14
